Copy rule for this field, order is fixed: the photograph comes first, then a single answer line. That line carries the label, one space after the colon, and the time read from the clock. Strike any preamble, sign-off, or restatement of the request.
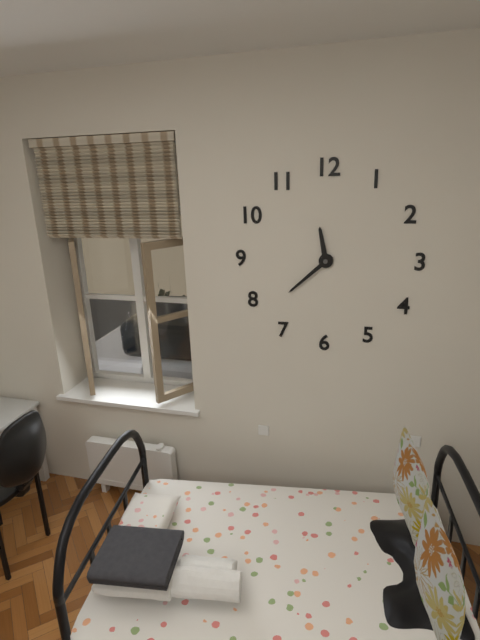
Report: 11:38
